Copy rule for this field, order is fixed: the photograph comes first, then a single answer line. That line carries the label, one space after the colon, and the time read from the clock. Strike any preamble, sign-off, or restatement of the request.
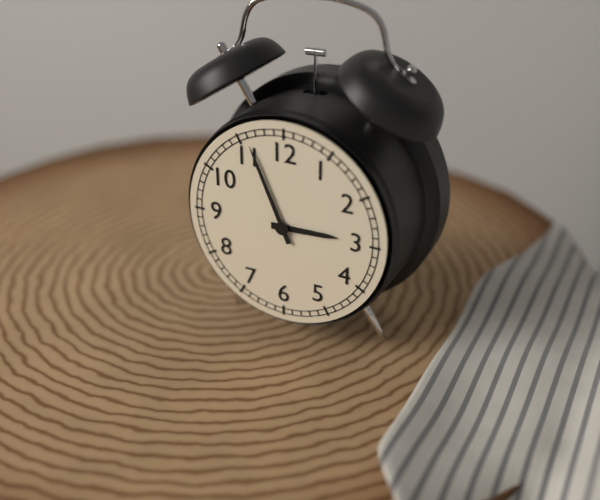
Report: 2:56
